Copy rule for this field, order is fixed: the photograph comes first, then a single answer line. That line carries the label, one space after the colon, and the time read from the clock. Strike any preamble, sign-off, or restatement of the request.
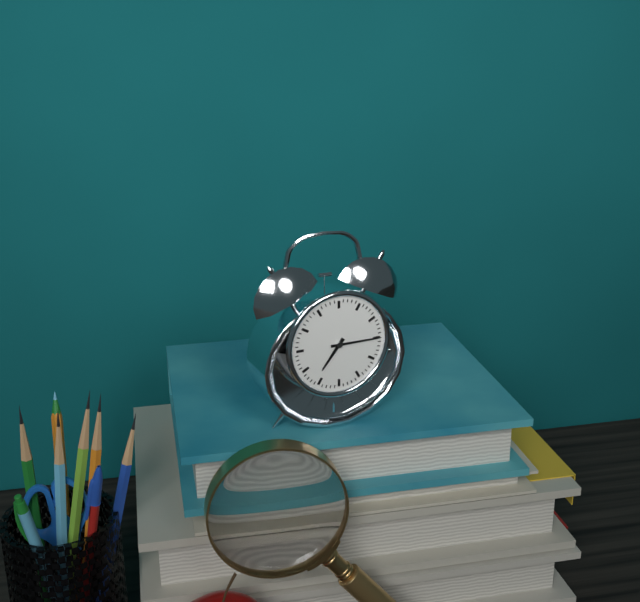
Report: 7:15
